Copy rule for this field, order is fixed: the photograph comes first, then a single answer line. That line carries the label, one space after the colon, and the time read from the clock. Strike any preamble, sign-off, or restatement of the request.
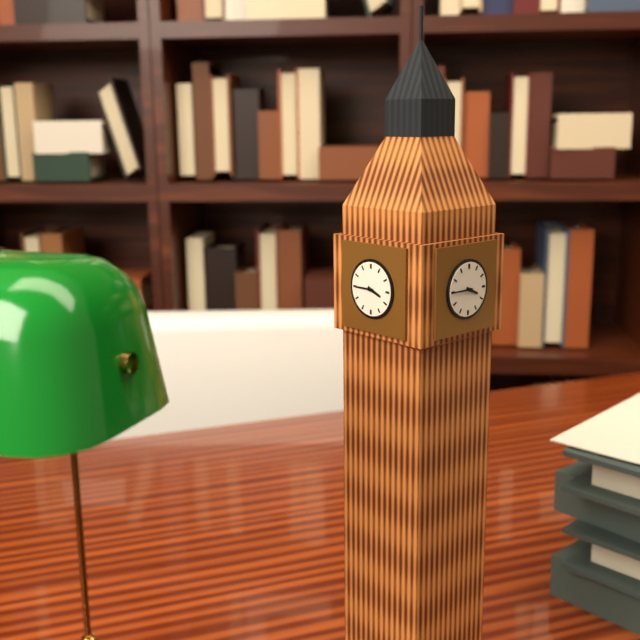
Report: 3:45
